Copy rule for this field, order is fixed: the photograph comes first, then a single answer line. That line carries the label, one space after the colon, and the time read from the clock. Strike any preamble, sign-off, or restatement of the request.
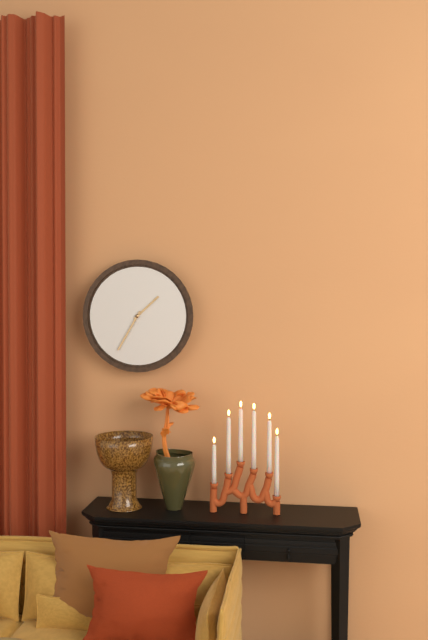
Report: 1:35
